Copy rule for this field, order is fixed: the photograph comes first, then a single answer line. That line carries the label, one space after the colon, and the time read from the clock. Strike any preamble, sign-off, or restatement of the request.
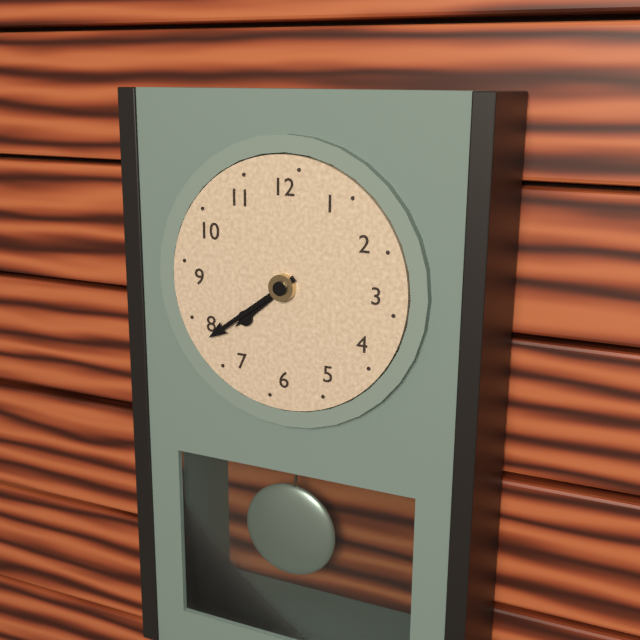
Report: 7:39
